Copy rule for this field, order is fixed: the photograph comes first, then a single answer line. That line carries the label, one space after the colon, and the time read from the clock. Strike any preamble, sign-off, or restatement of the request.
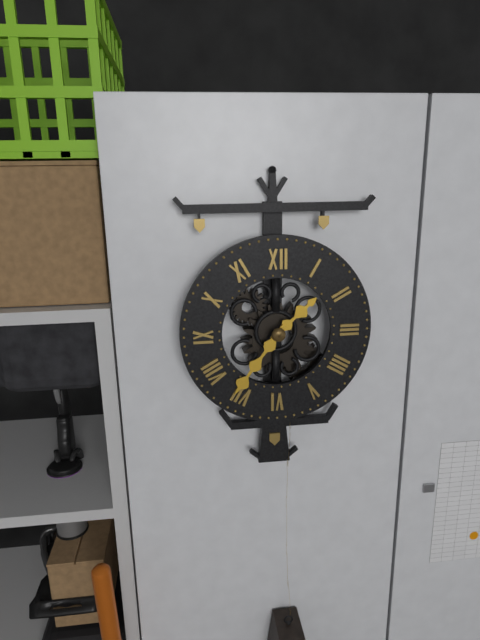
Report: 1:36
